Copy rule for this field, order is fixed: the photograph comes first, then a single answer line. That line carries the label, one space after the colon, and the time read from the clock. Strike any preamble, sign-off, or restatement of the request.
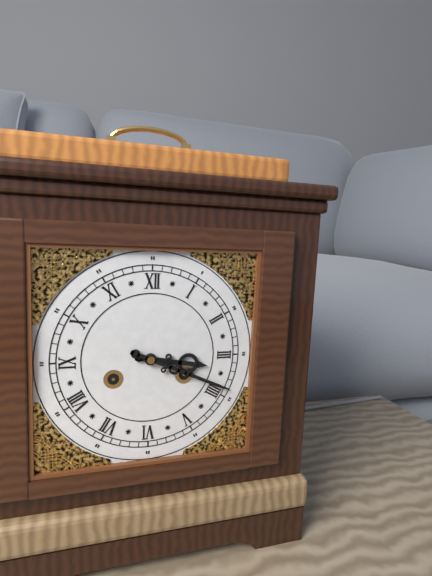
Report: 3:19
